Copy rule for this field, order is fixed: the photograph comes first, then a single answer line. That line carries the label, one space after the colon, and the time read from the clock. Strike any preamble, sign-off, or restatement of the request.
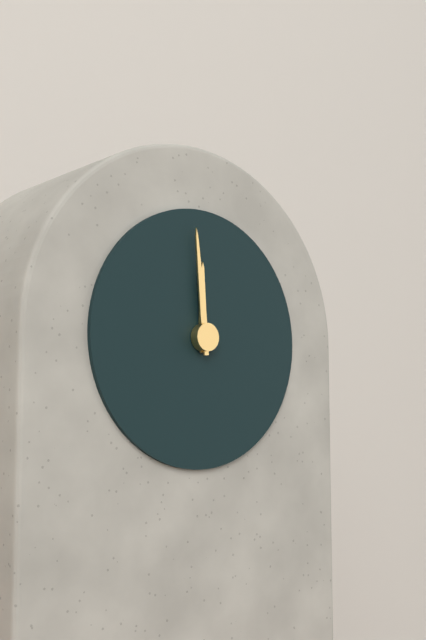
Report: 11:59
